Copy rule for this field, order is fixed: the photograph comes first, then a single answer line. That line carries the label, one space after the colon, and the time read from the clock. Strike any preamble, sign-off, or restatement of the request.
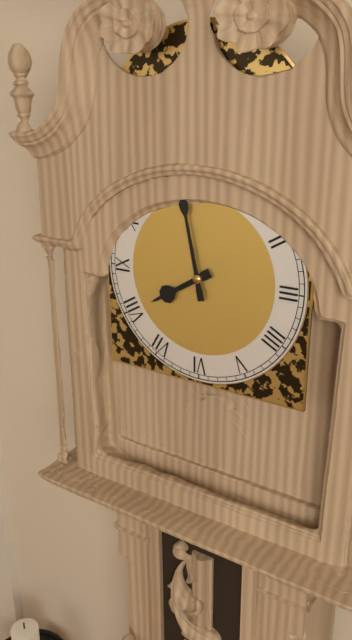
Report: 7:58
